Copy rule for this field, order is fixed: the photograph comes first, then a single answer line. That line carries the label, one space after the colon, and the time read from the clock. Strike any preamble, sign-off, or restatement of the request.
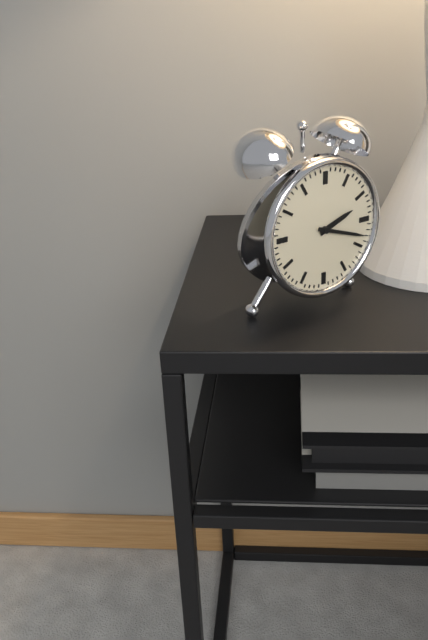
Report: 2:18
